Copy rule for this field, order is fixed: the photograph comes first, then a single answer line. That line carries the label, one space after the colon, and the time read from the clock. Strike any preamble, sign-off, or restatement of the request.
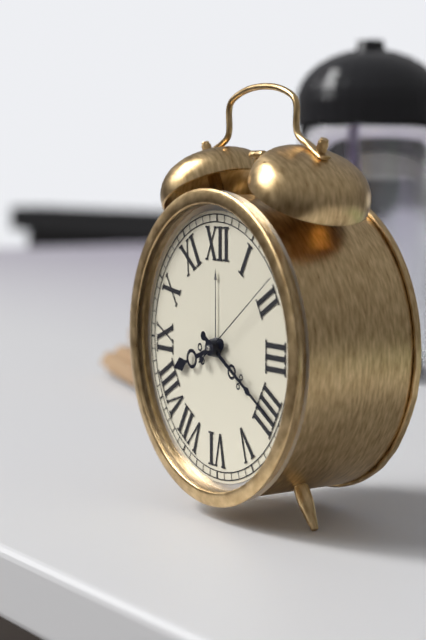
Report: 8:20:09
